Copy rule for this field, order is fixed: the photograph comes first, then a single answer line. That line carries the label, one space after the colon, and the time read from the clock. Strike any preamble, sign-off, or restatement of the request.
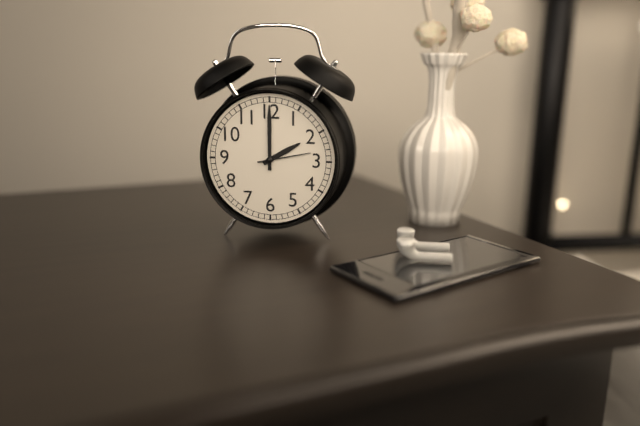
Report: 2:00:13
